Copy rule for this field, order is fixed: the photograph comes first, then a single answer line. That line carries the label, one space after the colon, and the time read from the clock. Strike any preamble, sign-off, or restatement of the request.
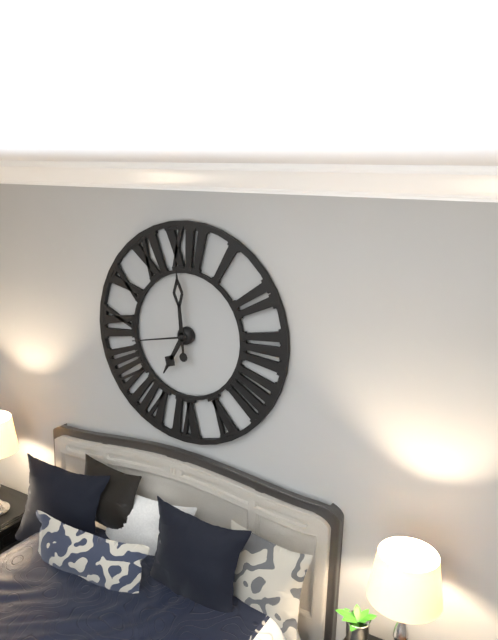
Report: 6:59:43
